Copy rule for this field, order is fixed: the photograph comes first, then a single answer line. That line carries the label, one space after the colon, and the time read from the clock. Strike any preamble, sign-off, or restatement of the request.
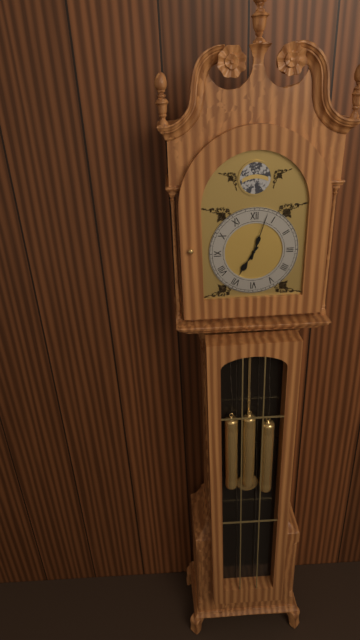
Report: 7:03
